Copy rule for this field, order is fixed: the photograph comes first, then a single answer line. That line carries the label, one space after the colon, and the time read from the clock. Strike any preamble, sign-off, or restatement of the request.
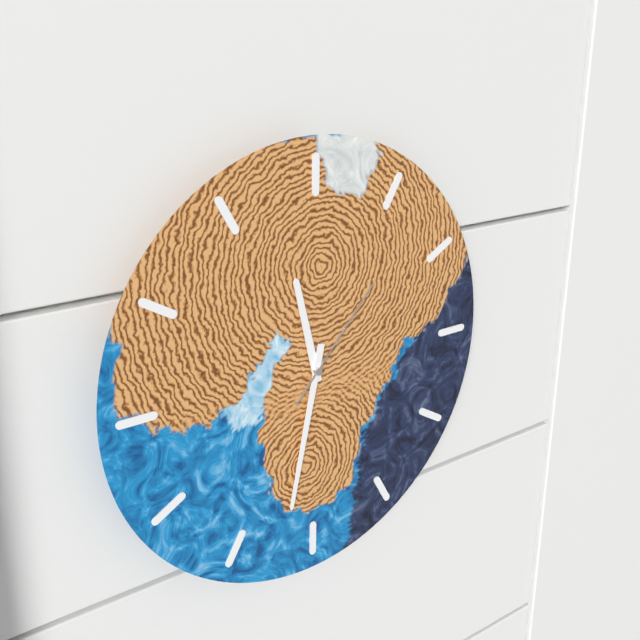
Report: 11:32:07
